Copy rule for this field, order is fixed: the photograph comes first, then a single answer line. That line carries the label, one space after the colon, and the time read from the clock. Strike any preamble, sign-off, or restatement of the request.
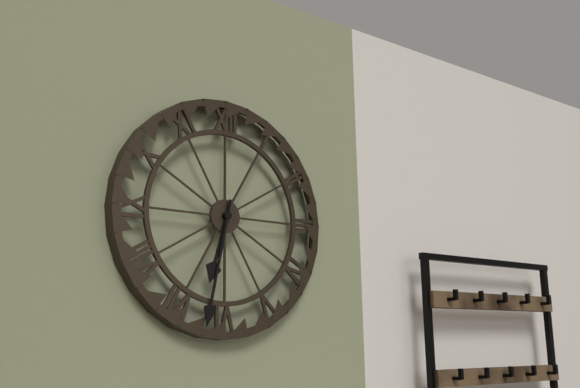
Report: 6:32
